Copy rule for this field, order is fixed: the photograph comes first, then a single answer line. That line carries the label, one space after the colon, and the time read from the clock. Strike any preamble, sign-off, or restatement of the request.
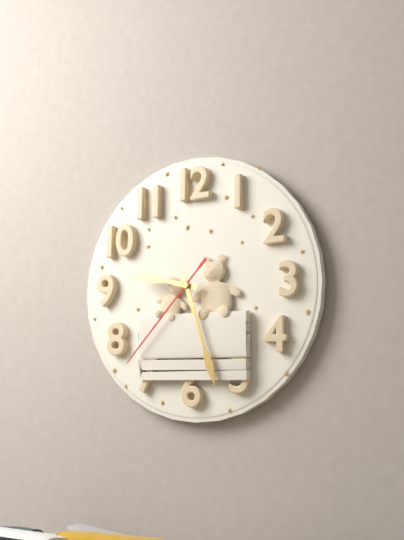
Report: 9:27:37
